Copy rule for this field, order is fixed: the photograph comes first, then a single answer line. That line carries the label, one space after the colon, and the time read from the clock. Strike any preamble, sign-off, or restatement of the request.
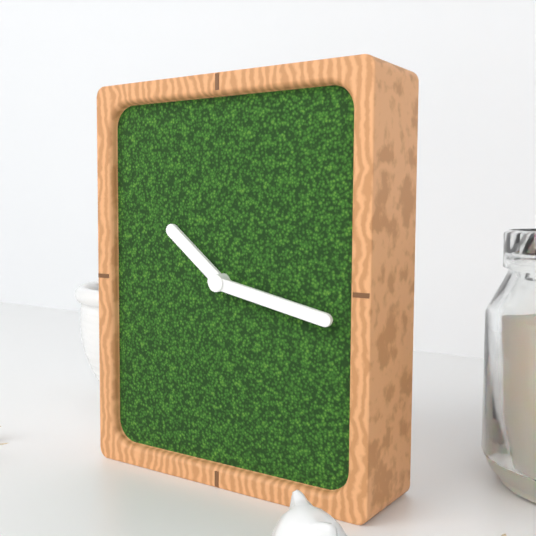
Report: 10:17
